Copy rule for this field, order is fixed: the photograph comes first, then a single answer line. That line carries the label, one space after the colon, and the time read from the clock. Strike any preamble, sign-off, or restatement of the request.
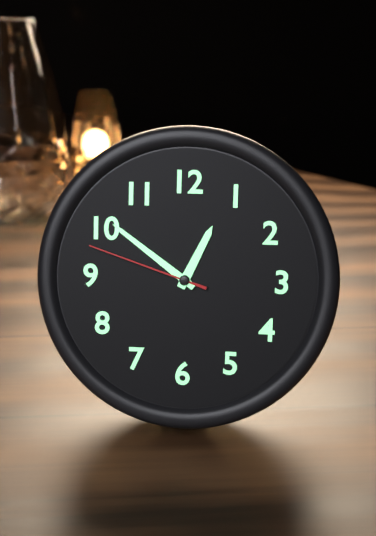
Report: 12:51:48
